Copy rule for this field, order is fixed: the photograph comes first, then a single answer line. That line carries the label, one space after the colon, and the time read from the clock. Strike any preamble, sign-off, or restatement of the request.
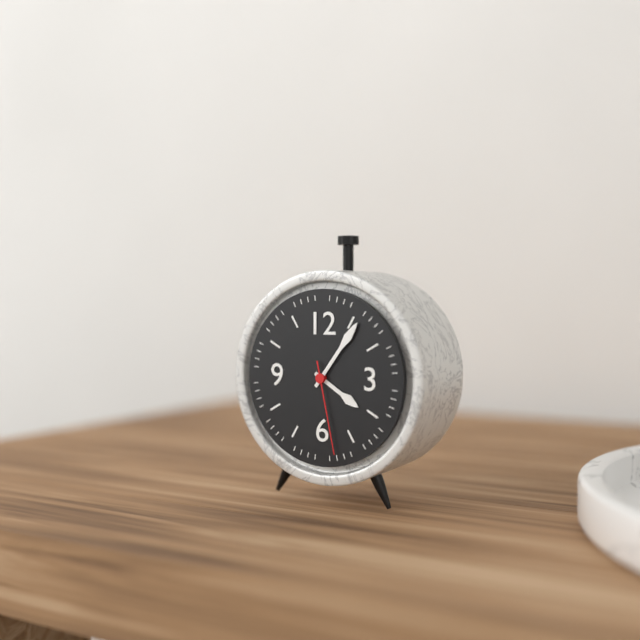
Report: 4:06:28
